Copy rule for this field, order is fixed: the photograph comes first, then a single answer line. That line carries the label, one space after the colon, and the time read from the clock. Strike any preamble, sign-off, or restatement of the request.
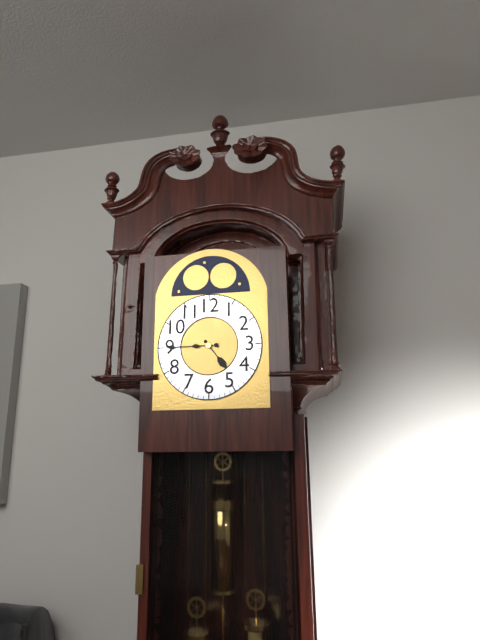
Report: 4:45
